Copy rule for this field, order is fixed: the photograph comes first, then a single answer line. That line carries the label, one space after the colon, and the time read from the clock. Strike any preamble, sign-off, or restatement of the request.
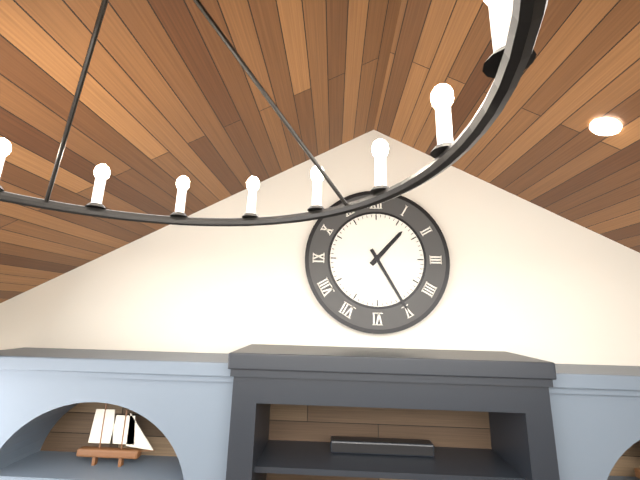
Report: 1:25
